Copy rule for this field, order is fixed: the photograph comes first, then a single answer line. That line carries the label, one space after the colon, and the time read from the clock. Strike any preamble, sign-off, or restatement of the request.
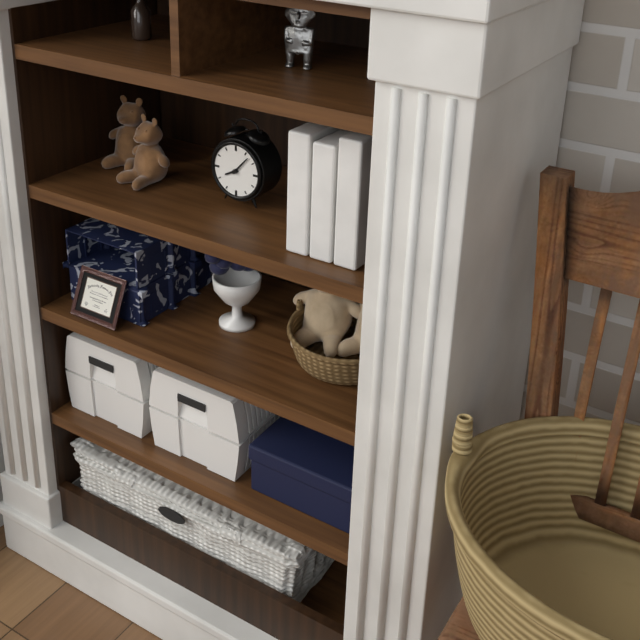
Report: 8:07
